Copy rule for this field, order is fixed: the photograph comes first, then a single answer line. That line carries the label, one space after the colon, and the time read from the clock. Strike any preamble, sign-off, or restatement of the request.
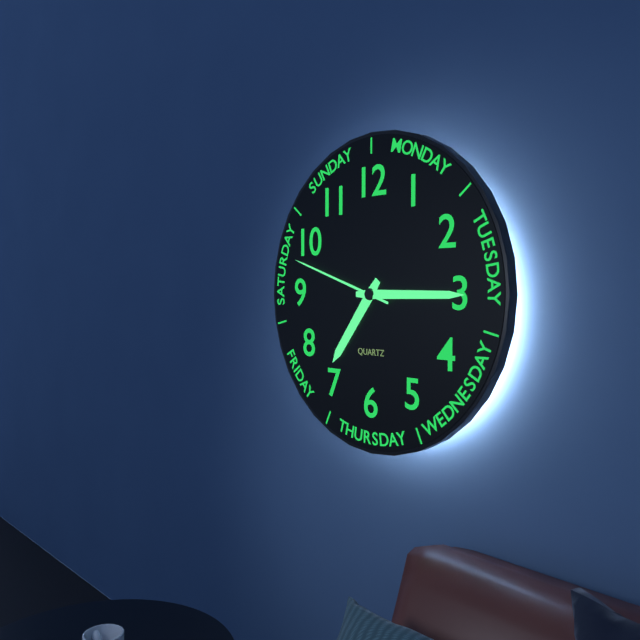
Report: 7:15:48
